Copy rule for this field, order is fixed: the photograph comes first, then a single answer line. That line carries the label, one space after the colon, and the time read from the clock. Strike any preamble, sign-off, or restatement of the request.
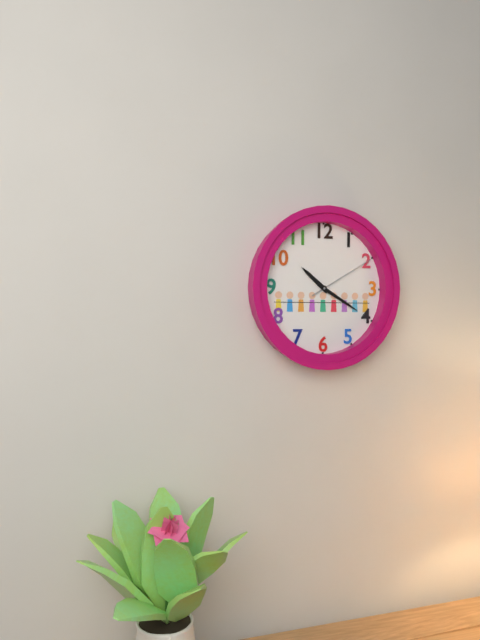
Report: 10:20:10
